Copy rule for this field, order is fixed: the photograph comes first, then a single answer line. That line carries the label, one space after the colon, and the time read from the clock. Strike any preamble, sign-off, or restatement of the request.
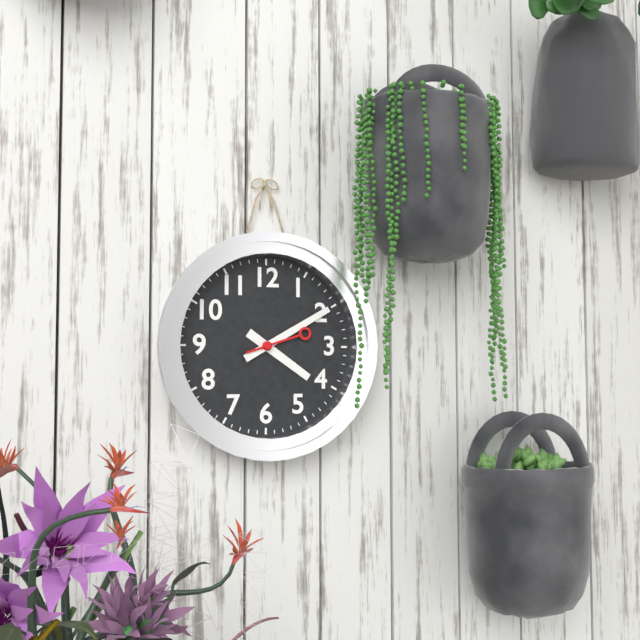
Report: 4:10:12
